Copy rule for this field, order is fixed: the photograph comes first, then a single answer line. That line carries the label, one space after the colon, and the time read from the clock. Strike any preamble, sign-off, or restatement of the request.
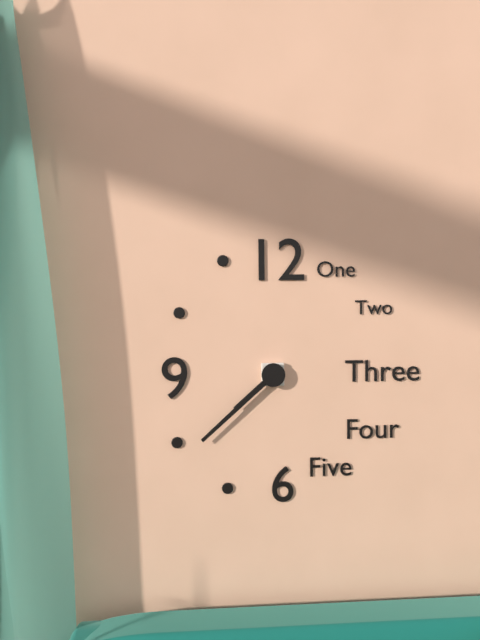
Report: 7:38
